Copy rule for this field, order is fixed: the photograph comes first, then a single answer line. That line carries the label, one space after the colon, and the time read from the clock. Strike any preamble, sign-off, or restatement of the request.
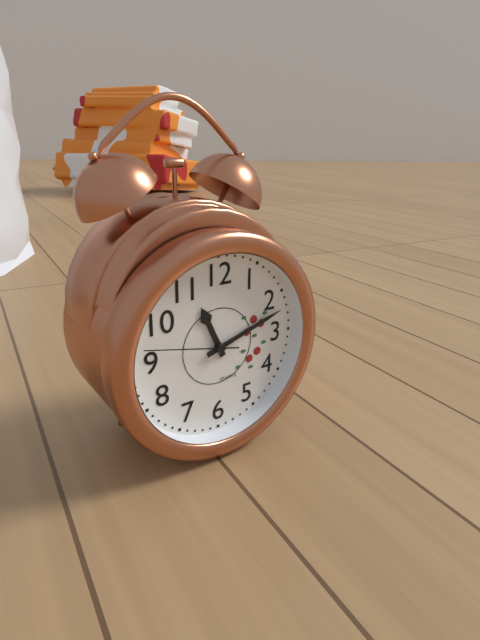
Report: 11:12:47
